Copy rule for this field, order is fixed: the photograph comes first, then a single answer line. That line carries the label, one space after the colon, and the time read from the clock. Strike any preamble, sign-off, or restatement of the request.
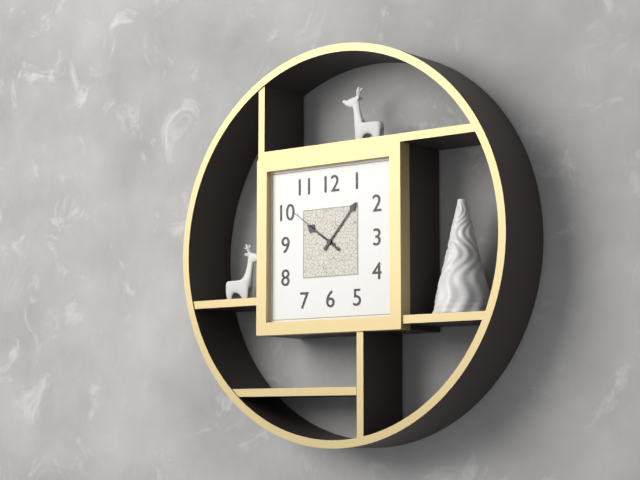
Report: 10:07:51
